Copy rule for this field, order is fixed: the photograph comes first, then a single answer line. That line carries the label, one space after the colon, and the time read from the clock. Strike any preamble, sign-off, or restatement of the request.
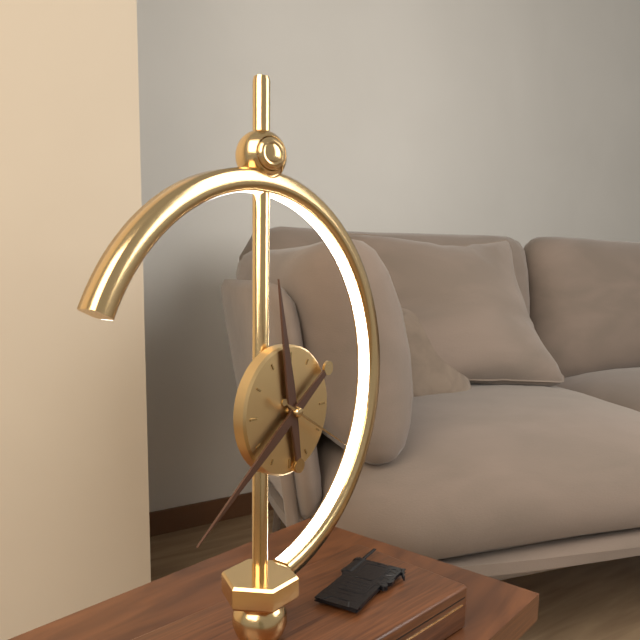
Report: 11:39:20
